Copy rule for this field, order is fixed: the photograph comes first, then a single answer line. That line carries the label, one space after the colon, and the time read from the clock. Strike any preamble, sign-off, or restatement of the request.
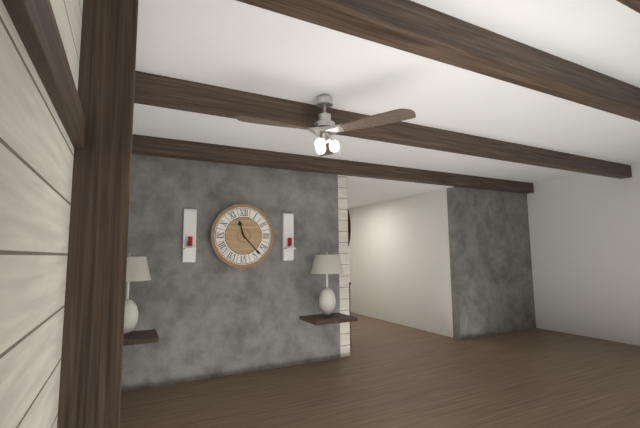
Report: 11:23
